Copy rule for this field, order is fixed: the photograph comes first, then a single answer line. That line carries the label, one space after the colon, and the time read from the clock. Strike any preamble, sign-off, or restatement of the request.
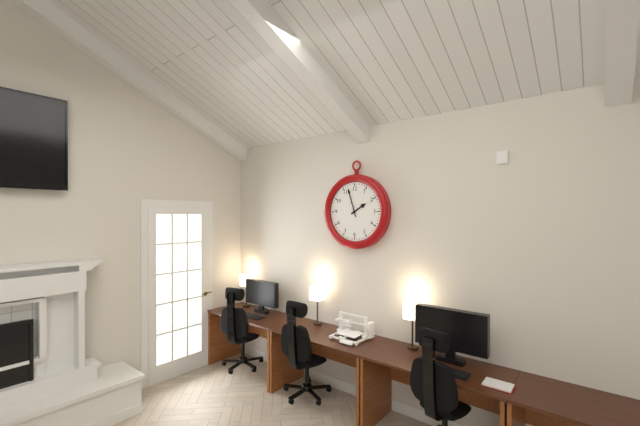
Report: 1:57
